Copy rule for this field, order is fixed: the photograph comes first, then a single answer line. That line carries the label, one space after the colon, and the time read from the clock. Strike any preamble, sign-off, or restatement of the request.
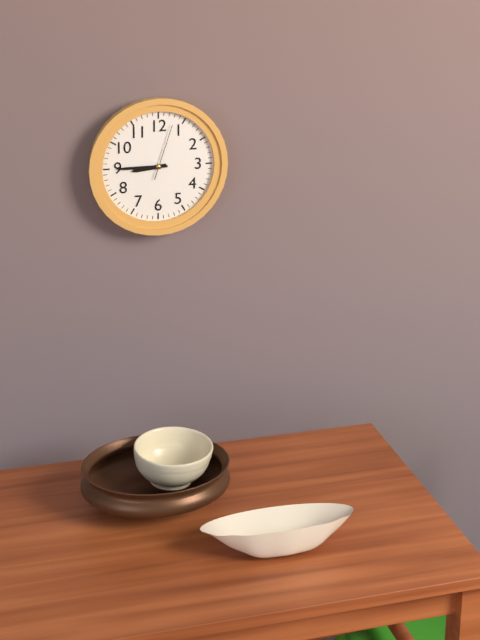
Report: 8:45:03
